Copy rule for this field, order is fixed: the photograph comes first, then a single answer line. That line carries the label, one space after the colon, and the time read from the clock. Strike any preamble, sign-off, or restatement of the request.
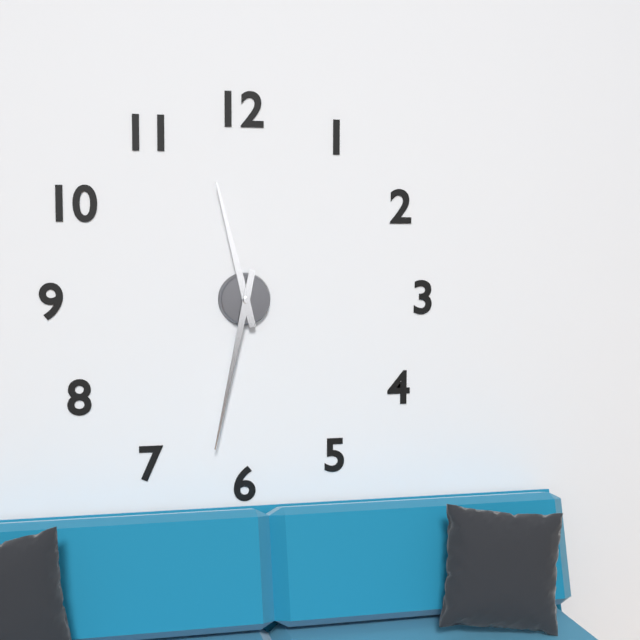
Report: 11:32
